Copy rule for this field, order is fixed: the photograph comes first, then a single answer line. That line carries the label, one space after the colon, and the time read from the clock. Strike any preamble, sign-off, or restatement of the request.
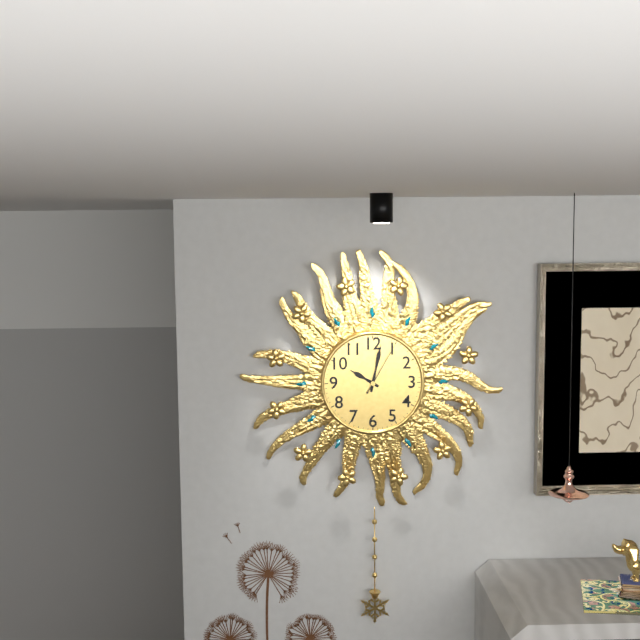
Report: 10:02:05
